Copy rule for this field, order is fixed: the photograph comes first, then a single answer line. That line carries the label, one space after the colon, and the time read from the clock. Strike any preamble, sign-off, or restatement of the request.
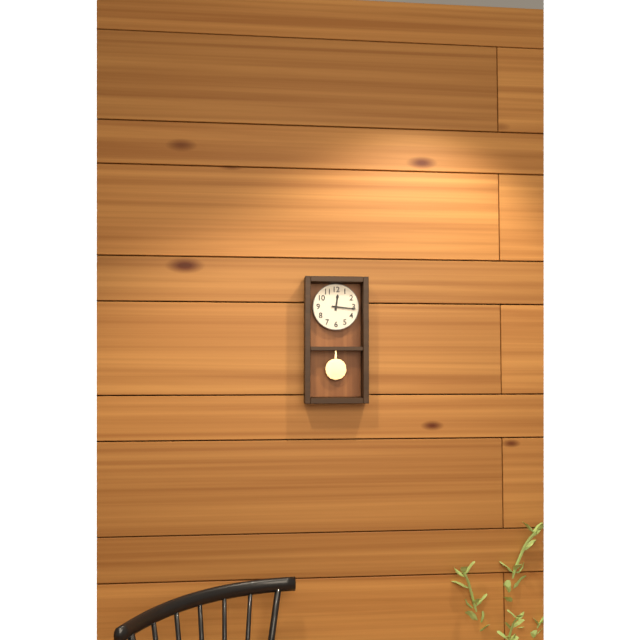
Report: 12:16
